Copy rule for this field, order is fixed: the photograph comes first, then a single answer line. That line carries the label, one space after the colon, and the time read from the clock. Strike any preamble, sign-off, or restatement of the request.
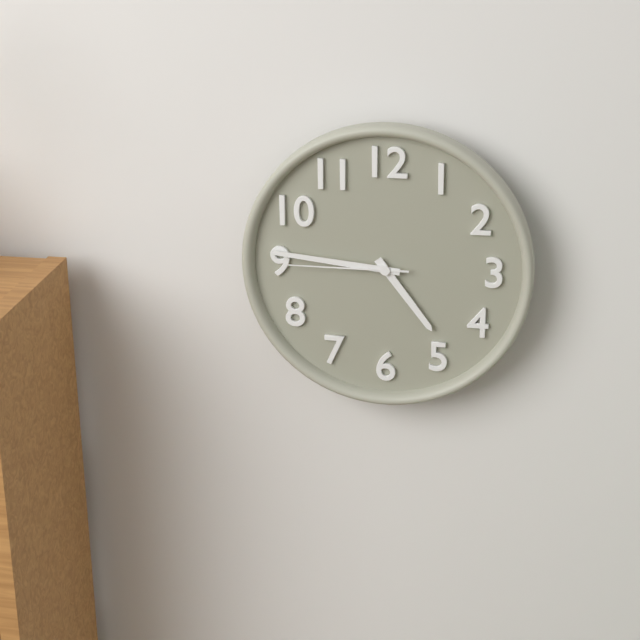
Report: 4:46:45
